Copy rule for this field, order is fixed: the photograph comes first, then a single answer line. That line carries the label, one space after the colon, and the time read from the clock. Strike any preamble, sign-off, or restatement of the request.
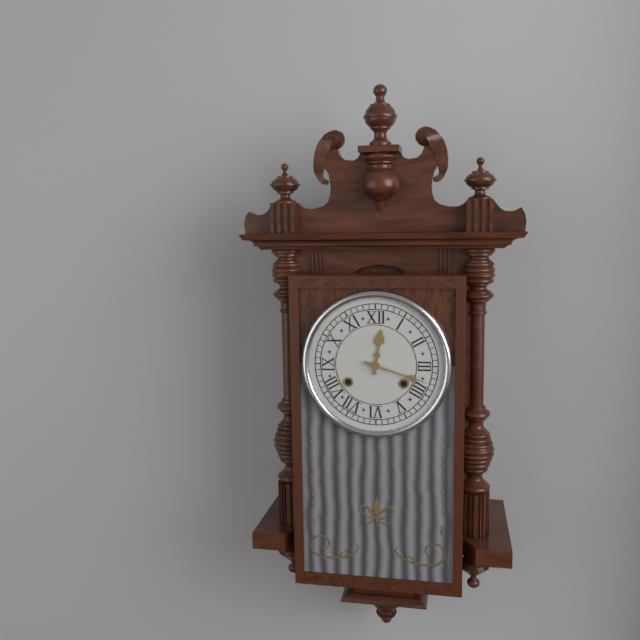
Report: 12:18
